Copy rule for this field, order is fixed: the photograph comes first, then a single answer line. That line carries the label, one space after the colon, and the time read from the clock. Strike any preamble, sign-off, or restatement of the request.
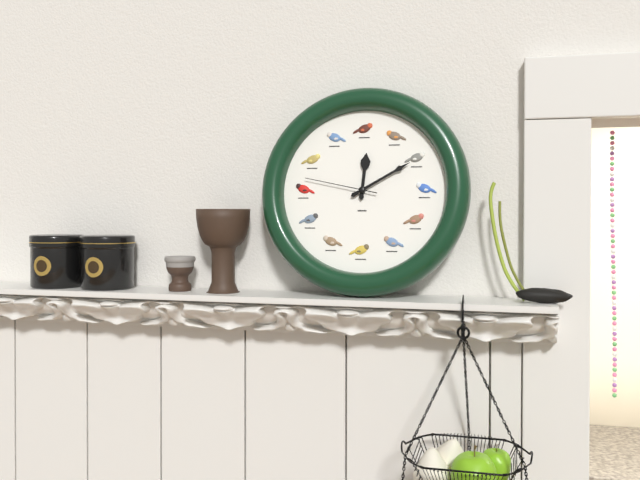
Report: 12:10:47
